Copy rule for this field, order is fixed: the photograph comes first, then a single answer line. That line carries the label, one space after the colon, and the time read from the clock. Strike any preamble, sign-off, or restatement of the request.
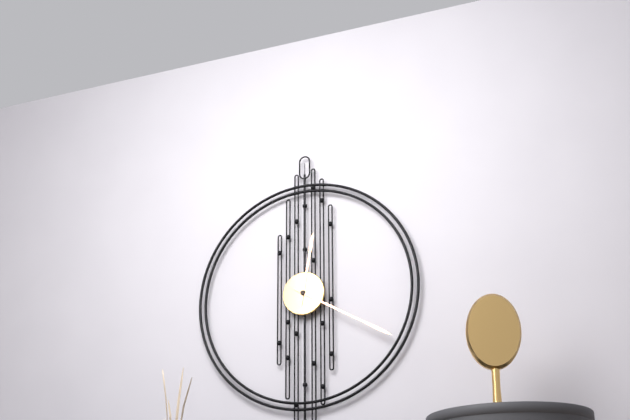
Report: 12:20
